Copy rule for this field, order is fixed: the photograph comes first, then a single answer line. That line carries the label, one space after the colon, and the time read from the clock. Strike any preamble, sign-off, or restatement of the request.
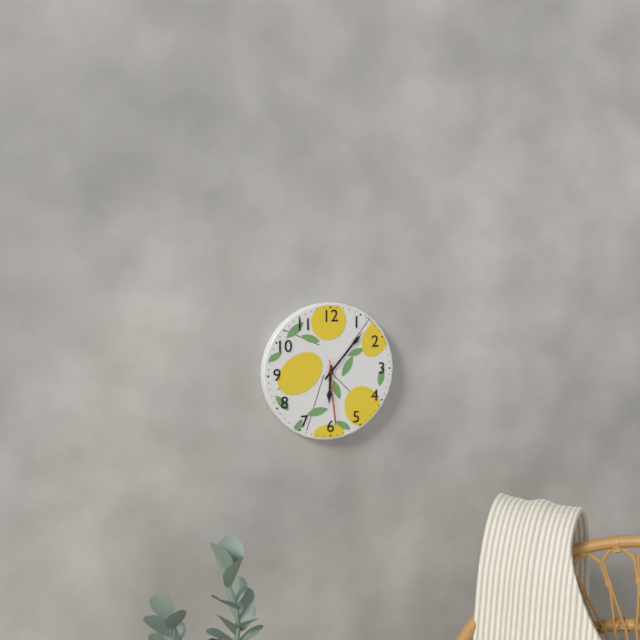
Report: 6:07:29
